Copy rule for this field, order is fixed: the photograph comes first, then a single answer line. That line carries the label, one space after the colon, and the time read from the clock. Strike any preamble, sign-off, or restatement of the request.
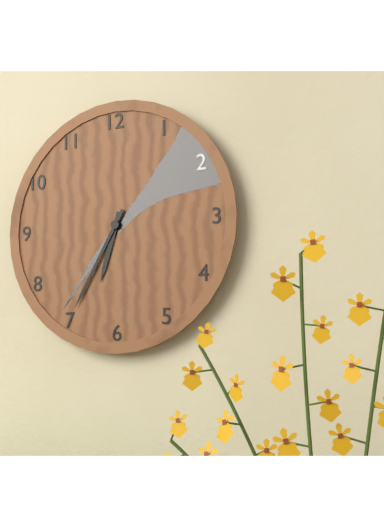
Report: 6:35
